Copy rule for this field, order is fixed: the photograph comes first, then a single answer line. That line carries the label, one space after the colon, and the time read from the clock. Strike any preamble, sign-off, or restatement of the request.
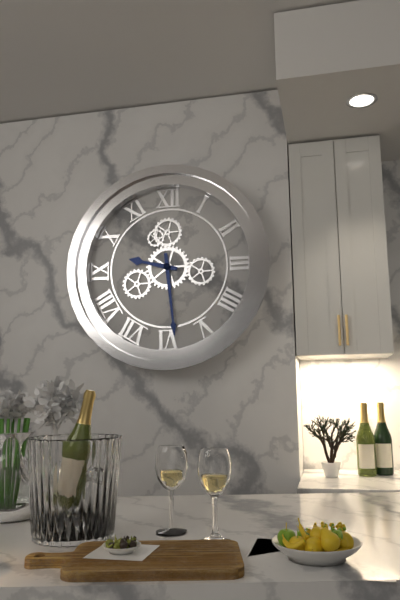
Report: 9:29
